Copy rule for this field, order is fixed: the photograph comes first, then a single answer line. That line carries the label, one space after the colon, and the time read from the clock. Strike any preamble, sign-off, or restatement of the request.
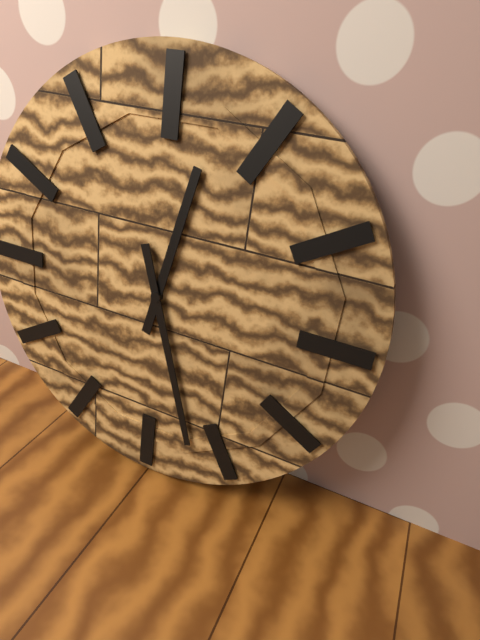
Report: 12:27
